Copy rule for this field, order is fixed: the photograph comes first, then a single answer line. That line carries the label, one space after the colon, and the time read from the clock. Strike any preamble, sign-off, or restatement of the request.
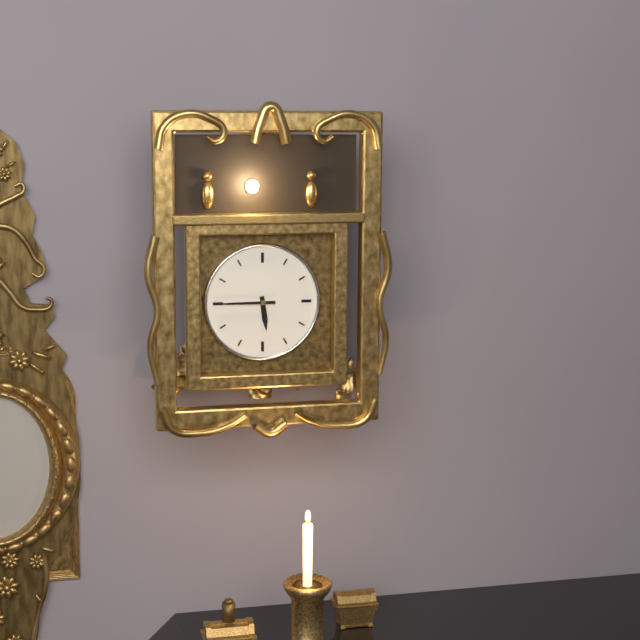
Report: 5:45
